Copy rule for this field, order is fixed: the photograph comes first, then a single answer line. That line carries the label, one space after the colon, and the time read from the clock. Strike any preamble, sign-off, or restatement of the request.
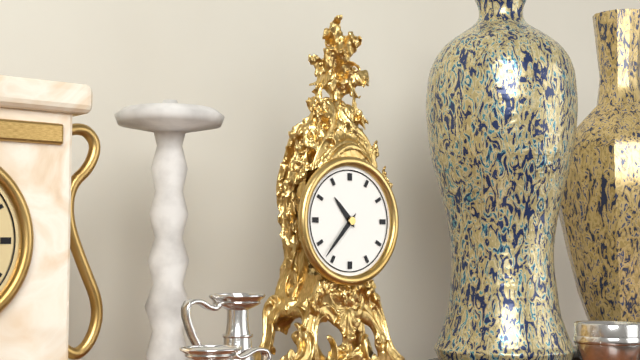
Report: 10:37
